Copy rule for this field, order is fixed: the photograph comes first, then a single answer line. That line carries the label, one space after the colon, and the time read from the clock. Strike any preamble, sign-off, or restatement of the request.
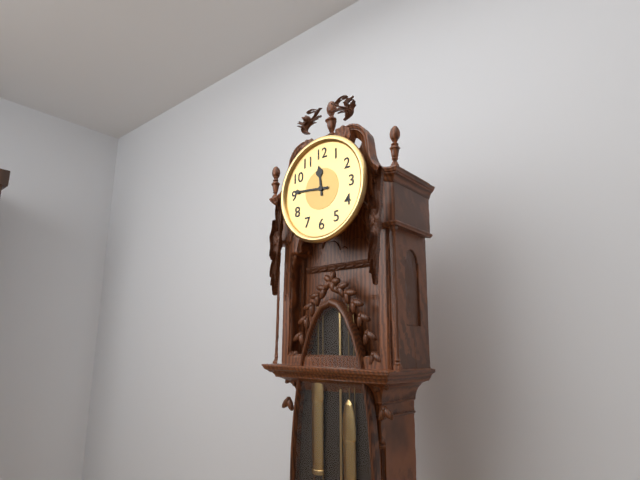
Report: 11:46
